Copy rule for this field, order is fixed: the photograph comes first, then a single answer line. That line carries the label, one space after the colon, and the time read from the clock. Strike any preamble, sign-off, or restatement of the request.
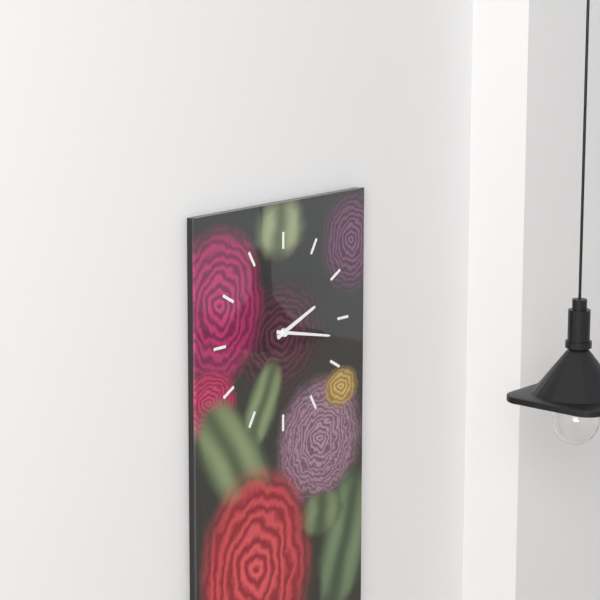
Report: 2:17
